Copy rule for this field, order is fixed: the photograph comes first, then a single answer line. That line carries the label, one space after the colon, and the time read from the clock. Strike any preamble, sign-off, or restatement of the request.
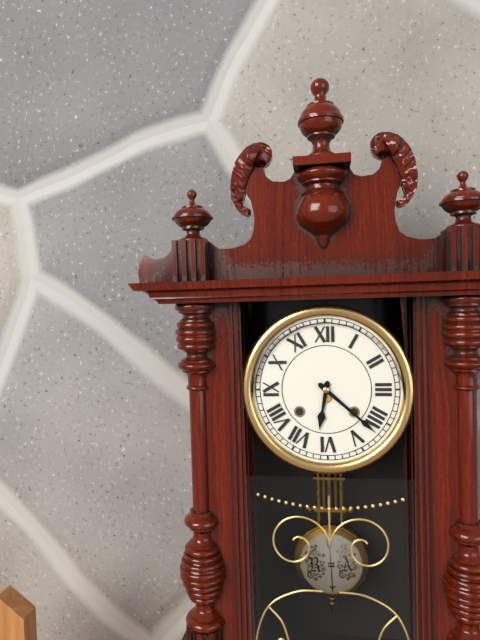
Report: 6:22
